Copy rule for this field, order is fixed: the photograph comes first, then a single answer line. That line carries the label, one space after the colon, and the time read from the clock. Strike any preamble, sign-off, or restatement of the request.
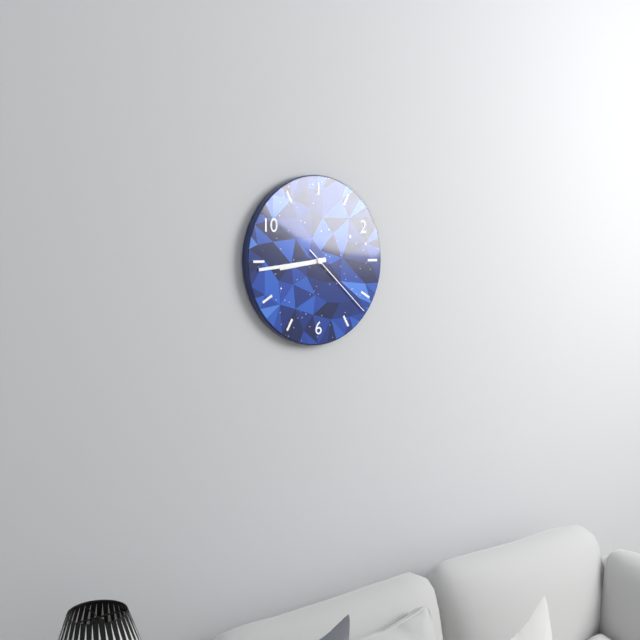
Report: 8:44:22
